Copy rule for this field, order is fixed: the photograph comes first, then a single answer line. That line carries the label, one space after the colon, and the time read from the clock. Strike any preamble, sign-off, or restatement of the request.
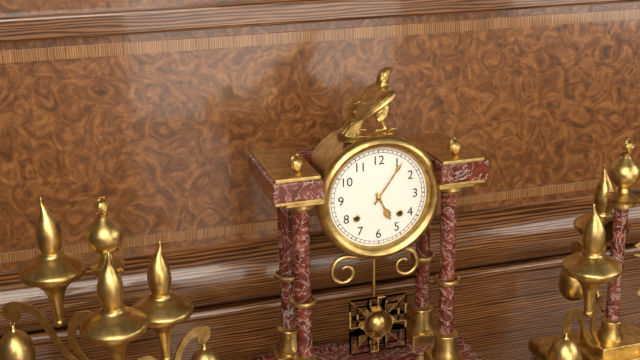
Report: 5:06
